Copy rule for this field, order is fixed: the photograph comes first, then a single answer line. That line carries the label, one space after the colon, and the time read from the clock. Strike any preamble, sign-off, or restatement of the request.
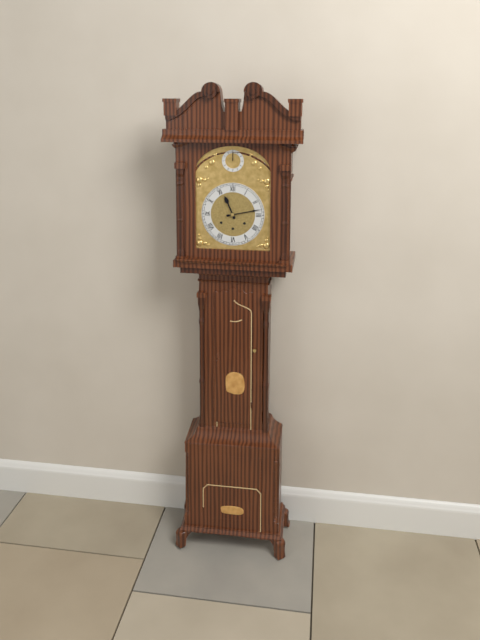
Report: 11:13
